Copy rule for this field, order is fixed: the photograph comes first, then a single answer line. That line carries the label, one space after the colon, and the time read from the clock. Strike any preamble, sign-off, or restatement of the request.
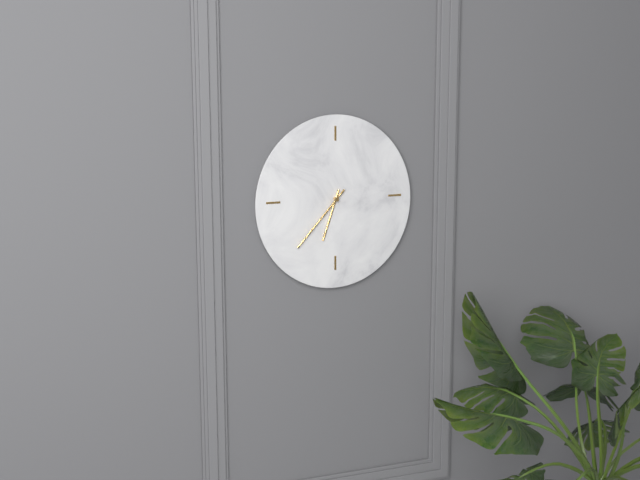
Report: 6:37
